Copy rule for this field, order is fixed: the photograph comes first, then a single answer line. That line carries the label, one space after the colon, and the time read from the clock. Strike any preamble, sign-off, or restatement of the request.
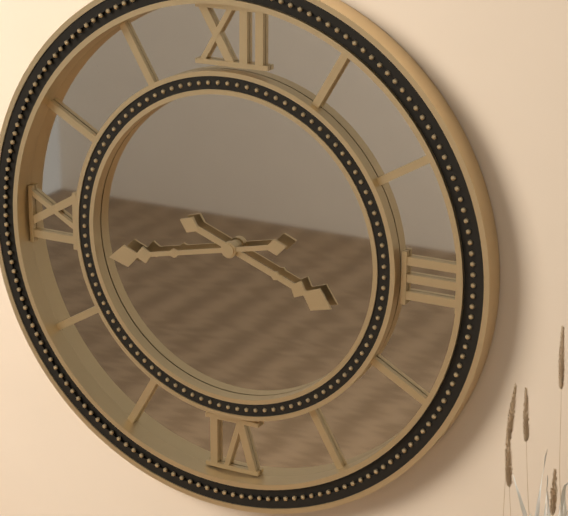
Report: 3:43
